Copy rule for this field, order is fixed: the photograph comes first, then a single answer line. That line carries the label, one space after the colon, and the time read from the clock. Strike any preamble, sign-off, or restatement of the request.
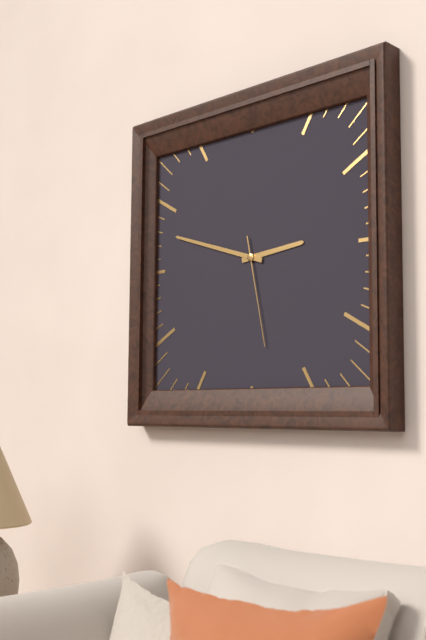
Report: 2:48:28
